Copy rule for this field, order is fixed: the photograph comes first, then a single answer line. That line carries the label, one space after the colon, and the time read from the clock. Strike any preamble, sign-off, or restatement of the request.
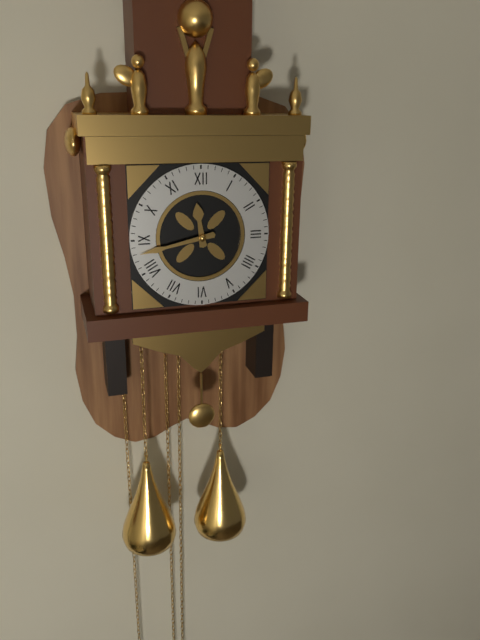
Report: 11:43
